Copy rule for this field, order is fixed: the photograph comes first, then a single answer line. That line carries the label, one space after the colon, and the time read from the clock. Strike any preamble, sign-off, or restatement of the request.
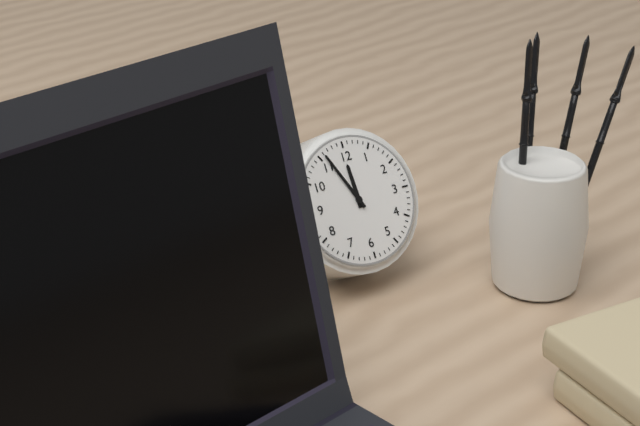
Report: 11:56
